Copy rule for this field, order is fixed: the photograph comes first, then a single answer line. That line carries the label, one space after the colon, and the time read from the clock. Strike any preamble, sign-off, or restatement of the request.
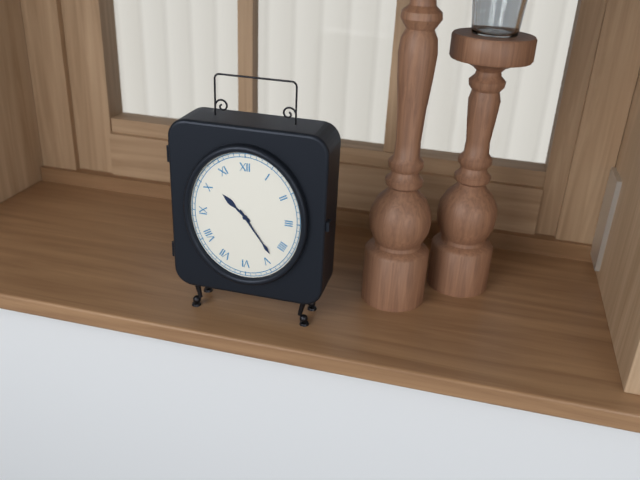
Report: 10:24
